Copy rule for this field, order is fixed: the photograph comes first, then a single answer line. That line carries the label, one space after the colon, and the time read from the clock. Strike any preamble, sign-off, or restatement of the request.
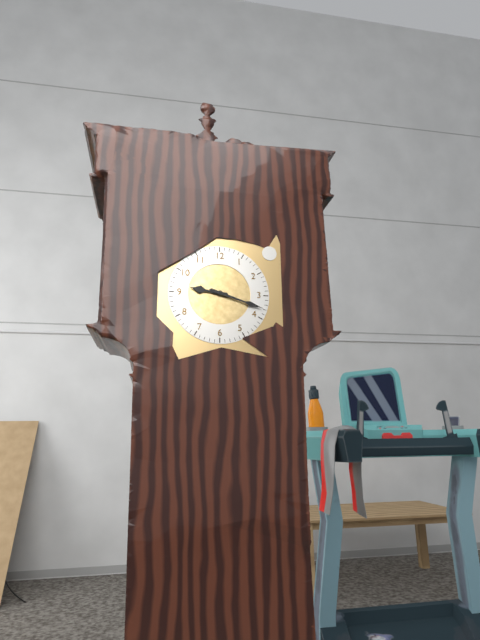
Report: 9:18
